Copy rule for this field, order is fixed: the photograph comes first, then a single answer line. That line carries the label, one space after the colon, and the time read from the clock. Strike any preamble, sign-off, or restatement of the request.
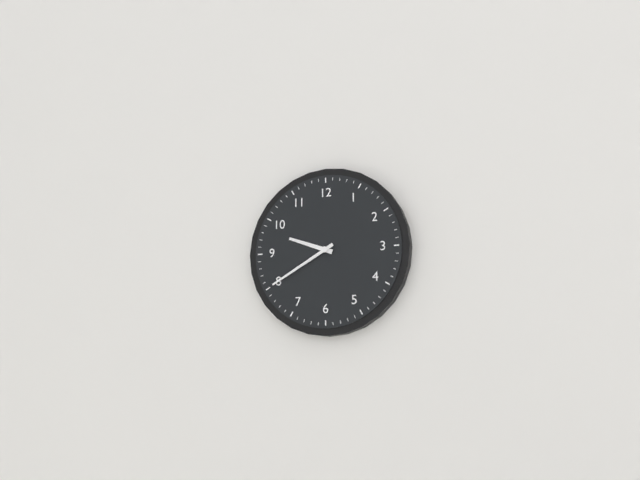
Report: 9:40
